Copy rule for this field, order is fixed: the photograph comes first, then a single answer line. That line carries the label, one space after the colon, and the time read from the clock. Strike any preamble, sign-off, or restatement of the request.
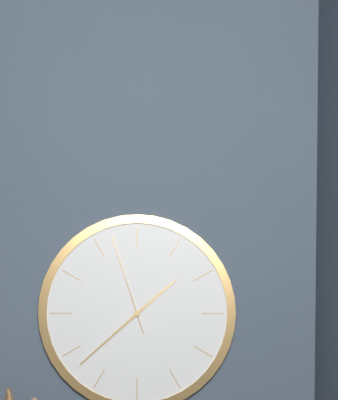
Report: 1:38:57
